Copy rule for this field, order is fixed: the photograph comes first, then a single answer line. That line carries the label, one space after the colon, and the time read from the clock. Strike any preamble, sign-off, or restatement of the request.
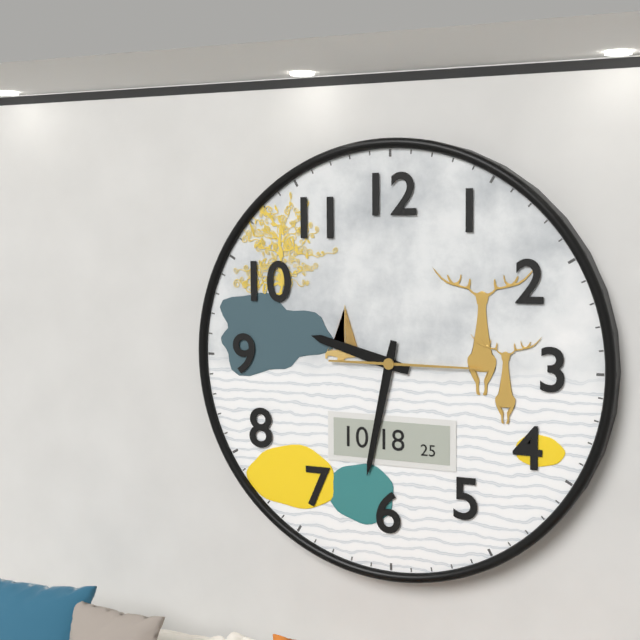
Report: 9:32:15
